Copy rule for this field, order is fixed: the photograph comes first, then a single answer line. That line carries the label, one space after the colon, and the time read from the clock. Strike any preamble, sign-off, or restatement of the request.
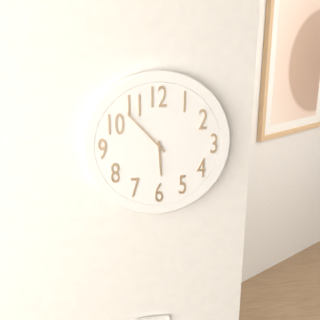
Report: 5:53
